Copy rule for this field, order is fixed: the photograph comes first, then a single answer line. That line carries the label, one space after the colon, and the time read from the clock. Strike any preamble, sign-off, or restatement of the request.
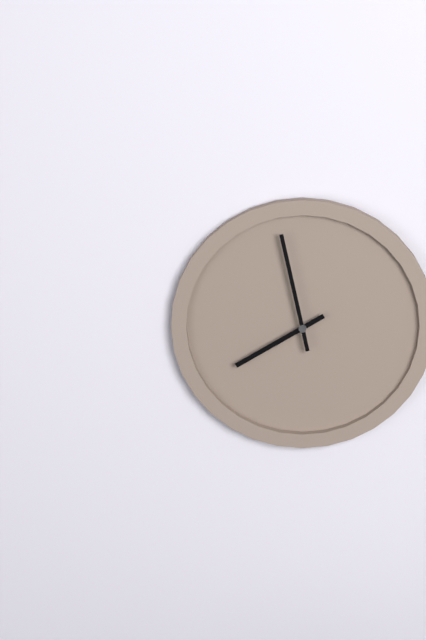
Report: 7:58
